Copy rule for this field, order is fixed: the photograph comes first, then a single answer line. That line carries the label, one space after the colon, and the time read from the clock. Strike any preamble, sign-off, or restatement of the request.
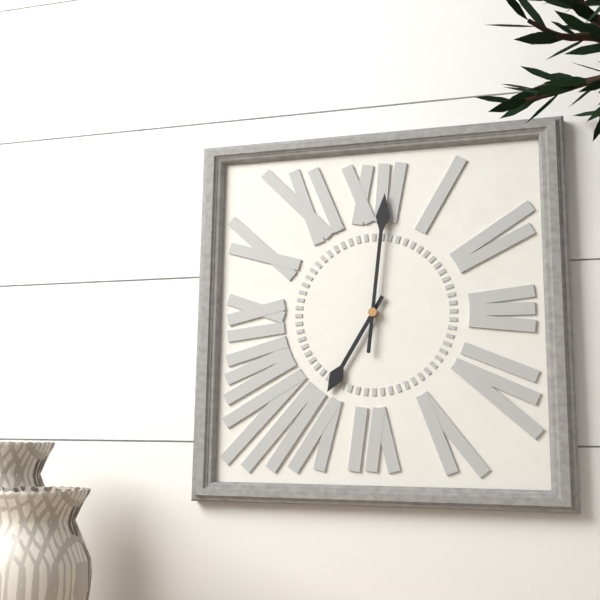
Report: 7:01
